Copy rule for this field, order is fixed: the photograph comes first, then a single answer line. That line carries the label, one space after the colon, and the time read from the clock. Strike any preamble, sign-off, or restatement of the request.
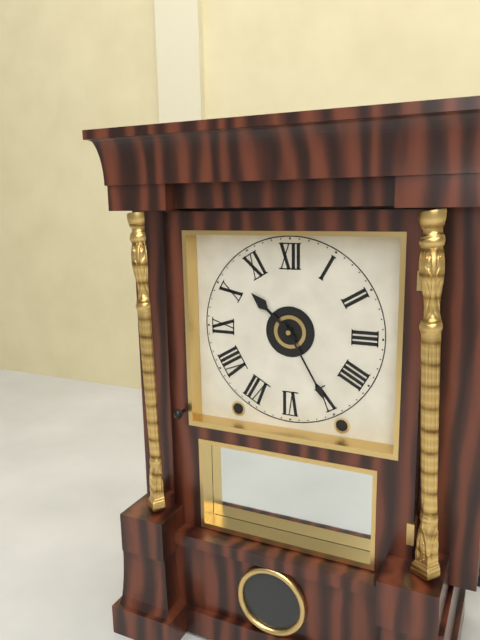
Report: 10:25
